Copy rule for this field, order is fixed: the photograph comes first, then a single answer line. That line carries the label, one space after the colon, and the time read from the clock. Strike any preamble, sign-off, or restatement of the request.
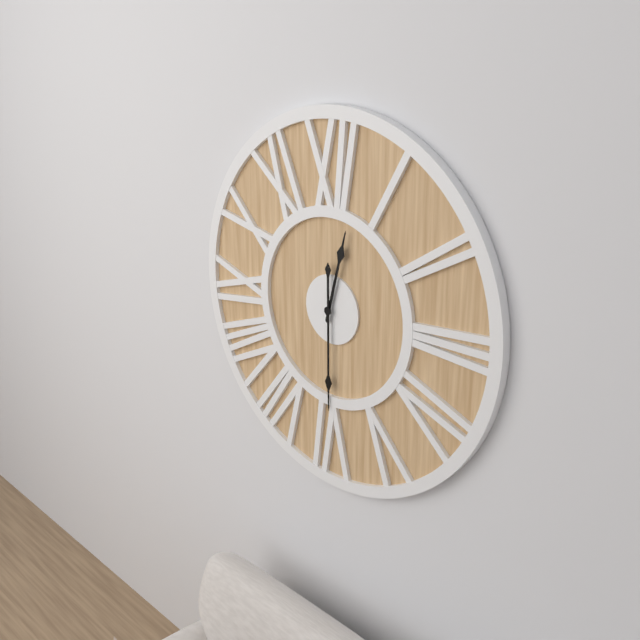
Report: 12:30
